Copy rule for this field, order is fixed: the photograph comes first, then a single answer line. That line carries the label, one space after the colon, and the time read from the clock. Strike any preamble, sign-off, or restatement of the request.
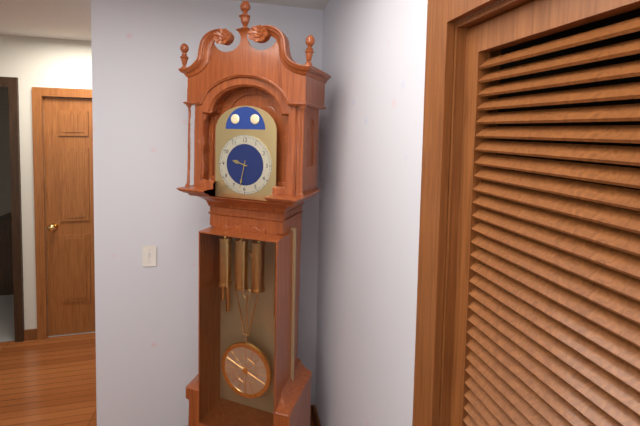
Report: 9:32
